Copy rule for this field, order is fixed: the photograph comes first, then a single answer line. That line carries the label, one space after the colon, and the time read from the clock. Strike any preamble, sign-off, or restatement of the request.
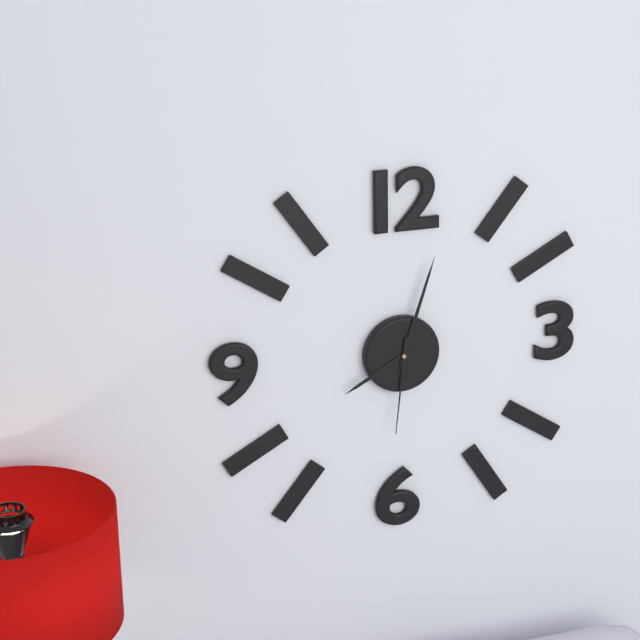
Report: 8:03:31
